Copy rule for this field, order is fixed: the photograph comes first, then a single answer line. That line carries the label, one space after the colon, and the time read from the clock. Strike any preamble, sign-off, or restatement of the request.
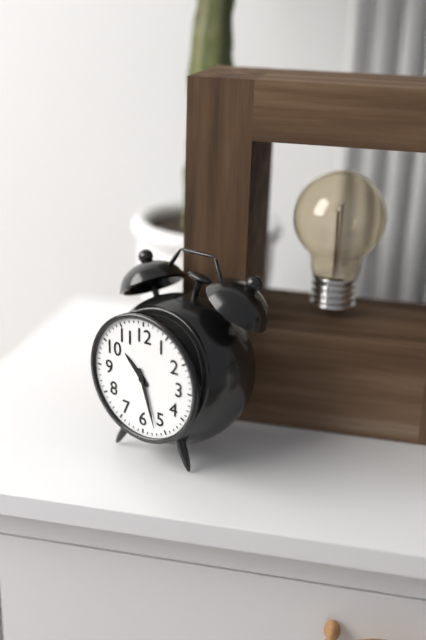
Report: 10:27
